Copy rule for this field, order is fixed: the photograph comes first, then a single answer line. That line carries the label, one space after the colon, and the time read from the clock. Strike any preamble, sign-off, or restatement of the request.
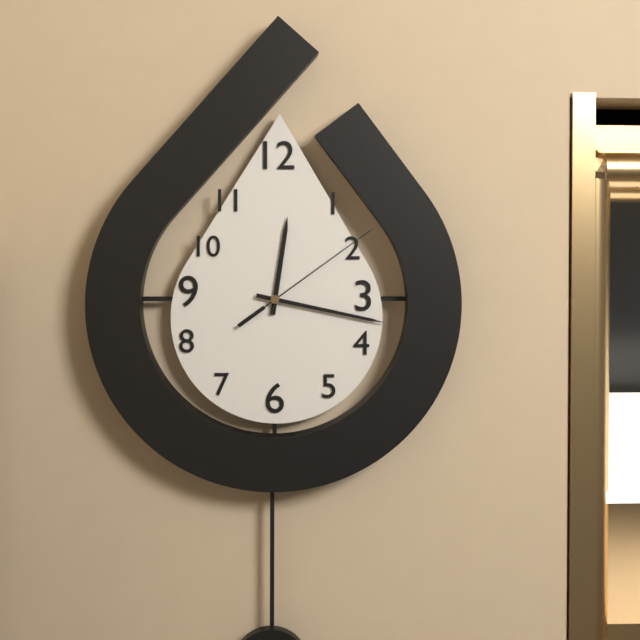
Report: 12:17:09
